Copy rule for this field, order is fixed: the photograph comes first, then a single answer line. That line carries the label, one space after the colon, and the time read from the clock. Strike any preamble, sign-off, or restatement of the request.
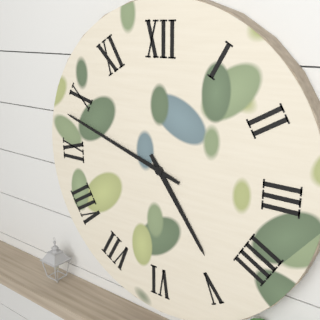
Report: 4:48
